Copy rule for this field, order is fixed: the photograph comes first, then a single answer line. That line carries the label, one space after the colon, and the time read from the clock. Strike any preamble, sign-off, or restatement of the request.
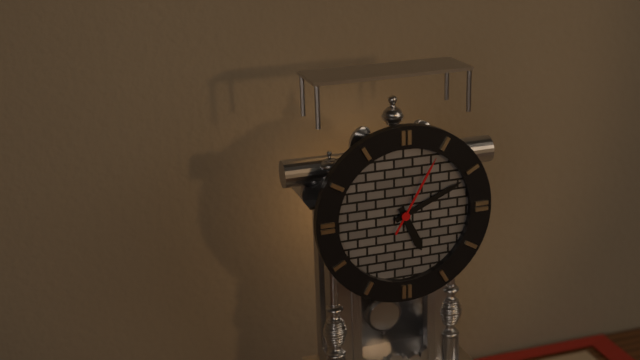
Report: 5:11:05
